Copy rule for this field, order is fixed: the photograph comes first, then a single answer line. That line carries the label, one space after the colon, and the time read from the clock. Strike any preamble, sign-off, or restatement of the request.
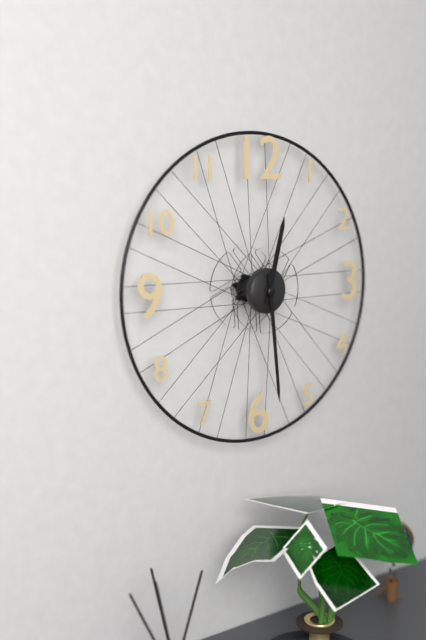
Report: 12:29
